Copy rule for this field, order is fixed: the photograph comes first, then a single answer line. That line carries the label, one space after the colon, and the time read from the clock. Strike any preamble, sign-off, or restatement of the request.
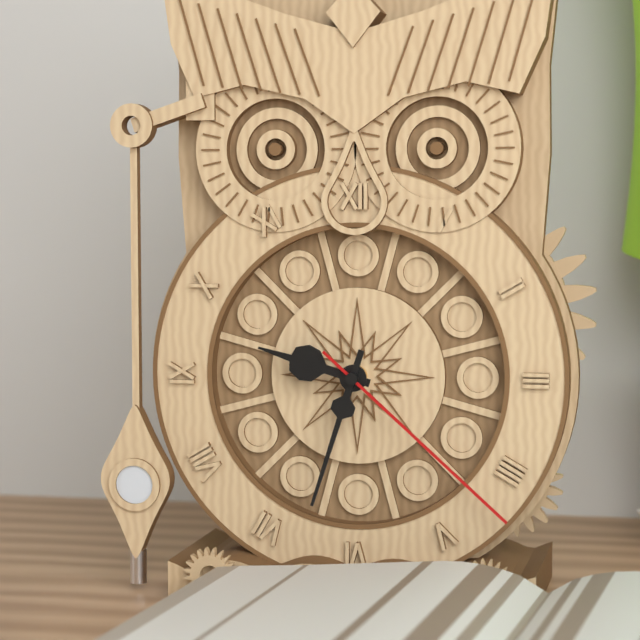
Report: 9:33:22
